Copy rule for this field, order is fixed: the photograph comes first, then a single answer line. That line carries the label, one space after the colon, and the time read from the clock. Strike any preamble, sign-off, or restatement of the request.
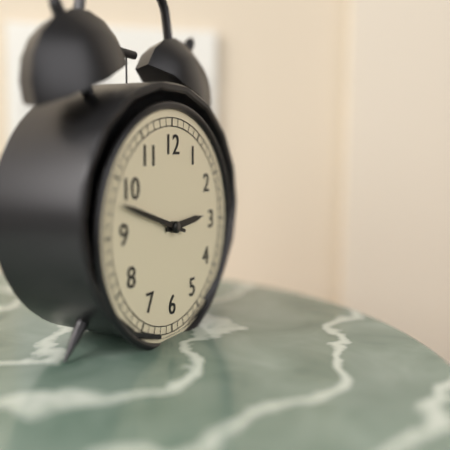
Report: 2:48
